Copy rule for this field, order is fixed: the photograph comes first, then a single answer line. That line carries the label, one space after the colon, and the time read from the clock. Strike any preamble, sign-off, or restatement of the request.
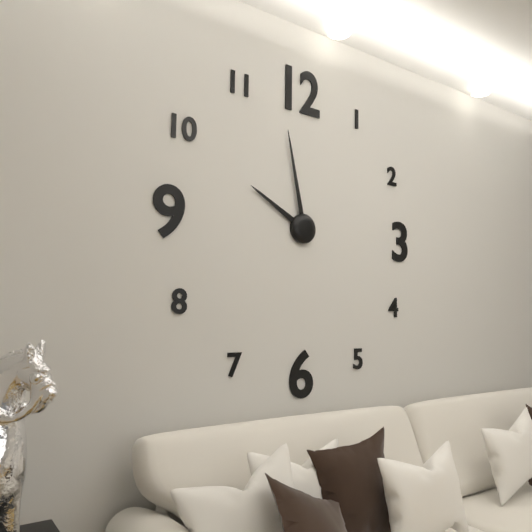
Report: 9:58
